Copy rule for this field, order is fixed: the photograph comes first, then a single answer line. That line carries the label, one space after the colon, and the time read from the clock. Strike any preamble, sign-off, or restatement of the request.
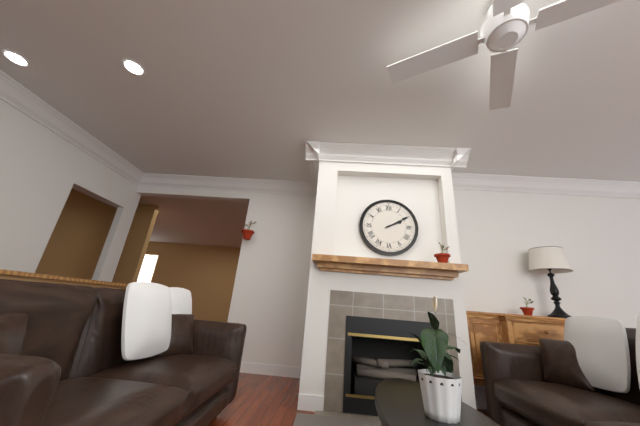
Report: 2:10
